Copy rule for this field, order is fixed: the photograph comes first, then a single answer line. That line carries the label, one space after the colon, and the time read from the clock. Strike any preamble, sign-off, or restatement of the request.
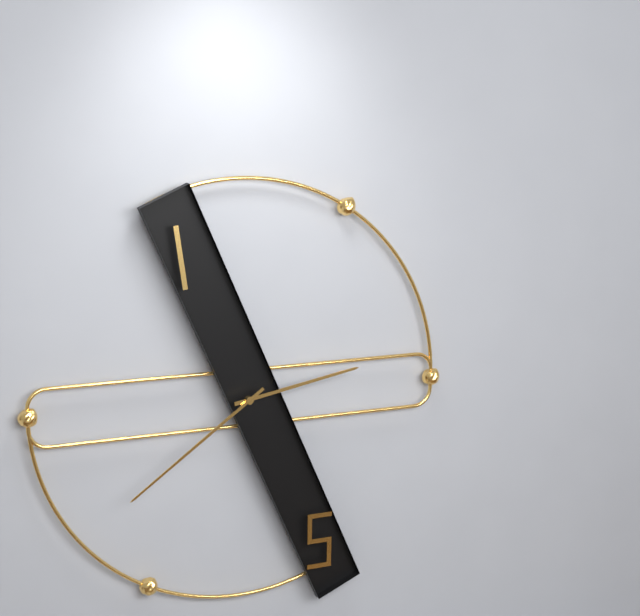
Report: 2:39
